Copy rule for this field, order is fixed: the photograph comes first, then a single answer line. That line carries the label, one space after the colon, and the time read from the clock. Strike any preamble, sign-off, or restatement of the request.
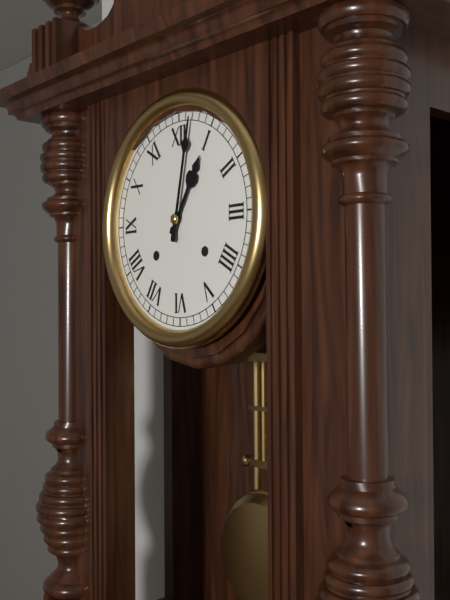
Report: 1:02
